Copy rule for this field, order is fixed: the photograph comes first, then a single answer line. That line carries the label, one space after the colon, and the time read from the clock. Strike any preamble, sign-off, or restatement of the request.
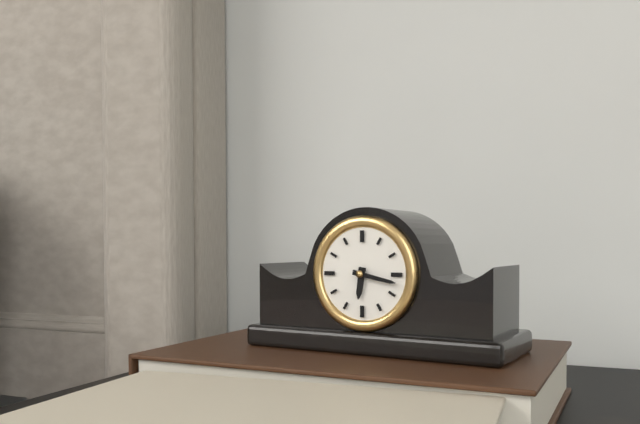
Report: 6:17
